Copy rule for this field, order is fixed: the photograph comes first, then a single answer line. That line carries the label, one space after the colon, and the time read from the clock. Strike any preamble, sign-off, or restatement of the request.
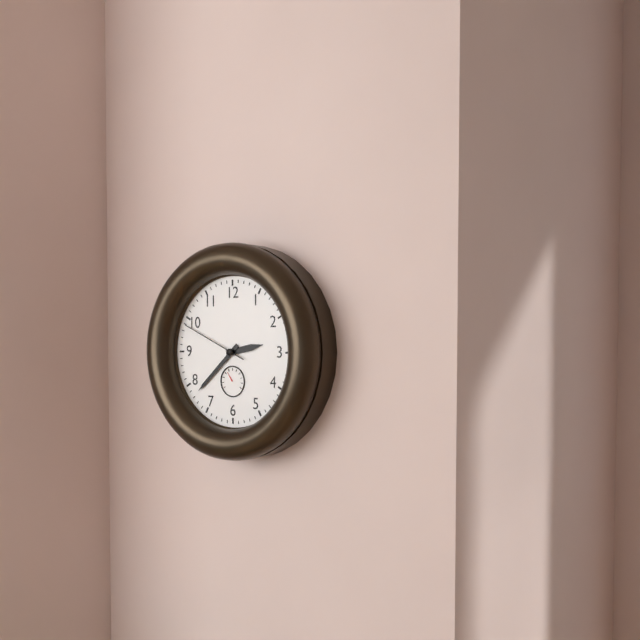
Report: 2:38:49
